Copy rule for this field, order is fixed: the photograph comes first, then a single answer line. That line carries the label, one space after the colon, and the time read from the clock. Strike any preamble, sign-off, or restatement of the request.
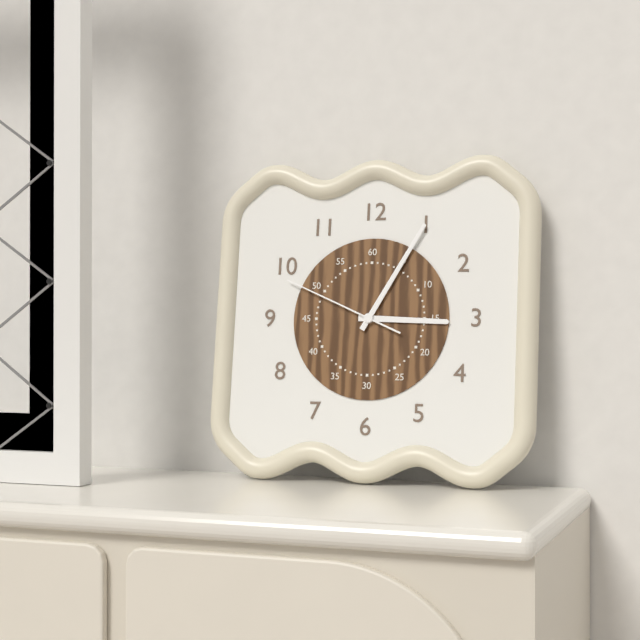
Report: 3:05:49
